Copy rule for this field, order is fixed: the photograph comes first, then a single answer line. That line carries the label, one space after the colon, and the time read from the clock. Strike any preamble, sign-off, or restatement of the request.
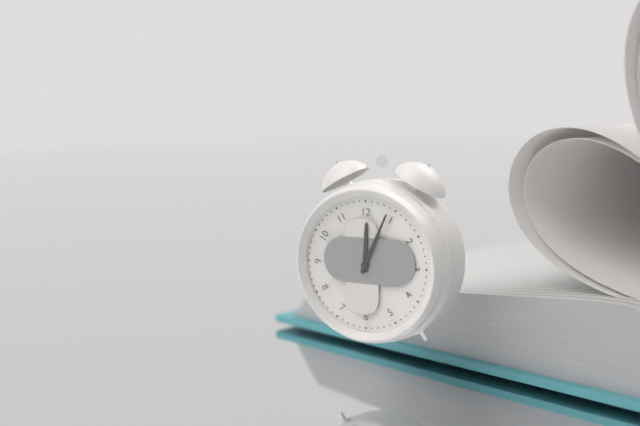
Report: 12:04
